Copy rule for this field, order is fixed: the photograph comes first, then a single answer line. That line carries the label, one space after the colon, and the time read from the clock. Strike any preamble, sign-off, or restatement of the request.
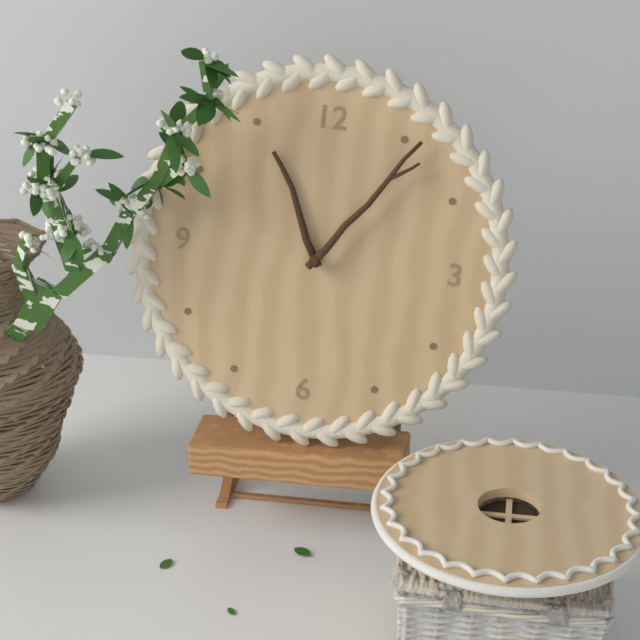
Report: 11:06
